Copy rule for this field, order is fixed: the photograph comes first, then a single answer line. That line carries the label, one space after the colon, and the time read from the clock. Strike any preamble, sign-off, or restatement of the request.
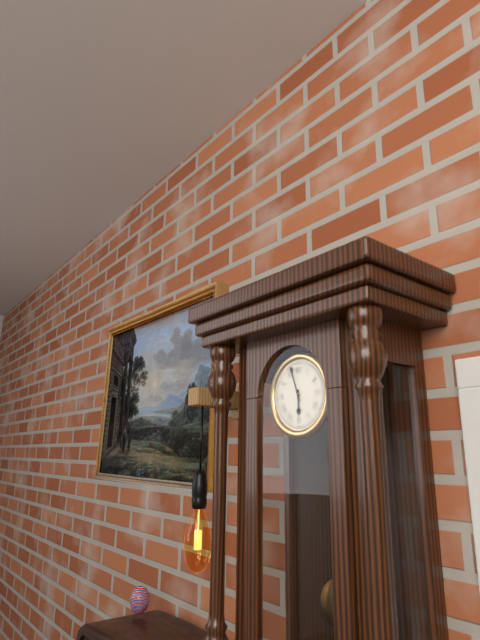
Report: 5:57
